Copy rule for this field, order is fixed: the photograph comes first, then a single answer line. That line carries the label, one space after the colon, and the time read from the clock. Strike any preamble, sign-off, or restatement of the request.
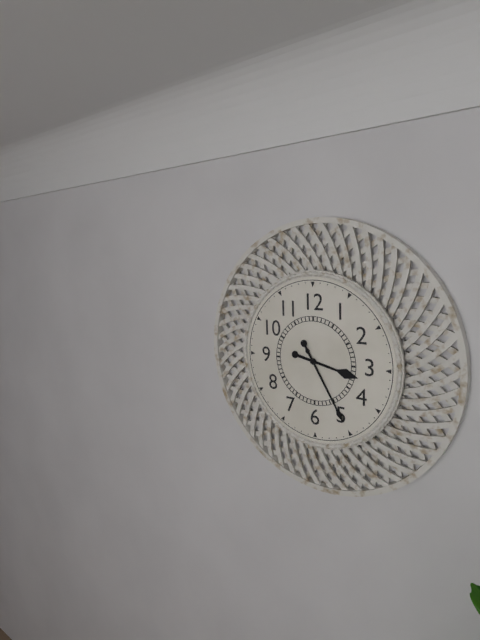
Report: 3:25
